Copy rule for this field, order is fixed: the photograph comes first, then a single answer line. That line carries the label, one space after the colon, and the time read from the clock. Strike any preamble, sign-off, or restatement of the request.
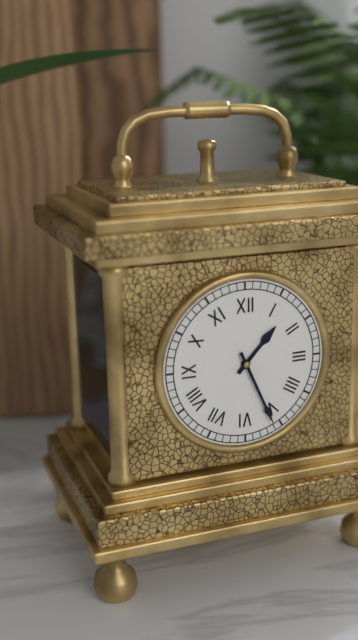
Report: 1:26
